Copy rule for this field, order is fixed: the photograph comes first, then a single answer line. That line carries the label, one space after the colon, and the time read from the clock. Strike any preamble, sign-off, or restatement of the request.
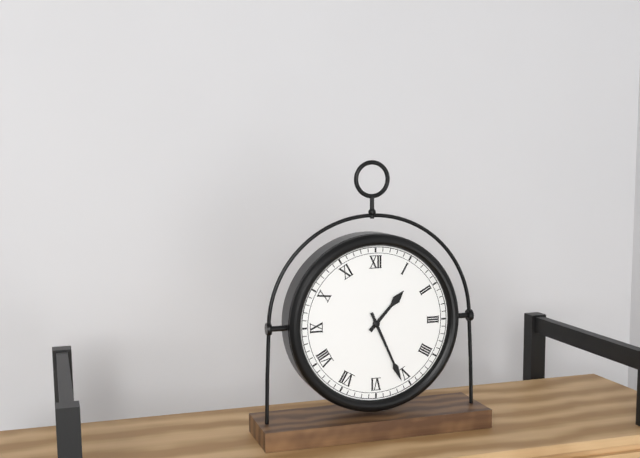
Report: 1:26
